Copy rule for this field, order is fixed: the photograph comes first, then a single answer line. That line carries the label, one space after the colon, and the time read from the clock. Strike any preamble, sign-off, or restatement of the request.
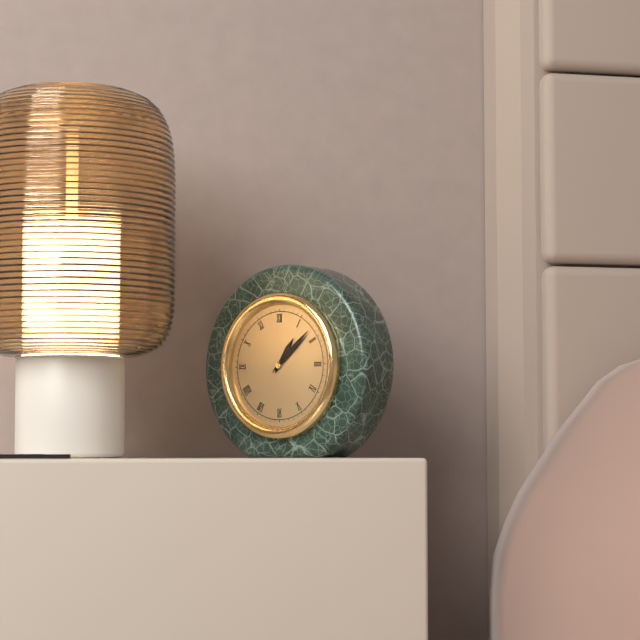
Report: 1:08
